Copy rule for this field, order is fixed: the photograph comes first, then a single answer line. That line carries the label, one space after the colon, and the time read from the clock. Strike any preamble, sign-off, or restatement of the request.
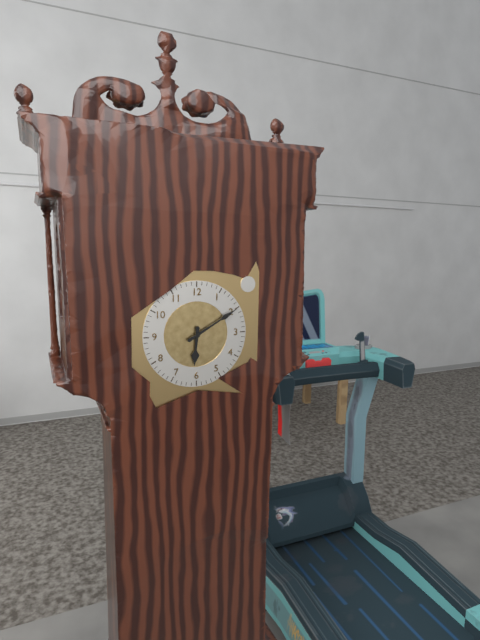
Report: 6:10
